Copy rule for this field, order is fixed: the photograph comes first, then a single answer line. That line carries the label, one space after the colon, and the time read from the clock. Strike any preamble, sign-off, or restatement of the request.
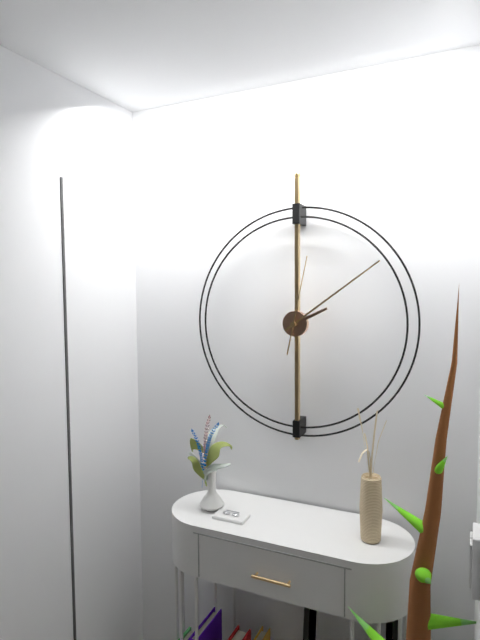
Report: 2:09:02
